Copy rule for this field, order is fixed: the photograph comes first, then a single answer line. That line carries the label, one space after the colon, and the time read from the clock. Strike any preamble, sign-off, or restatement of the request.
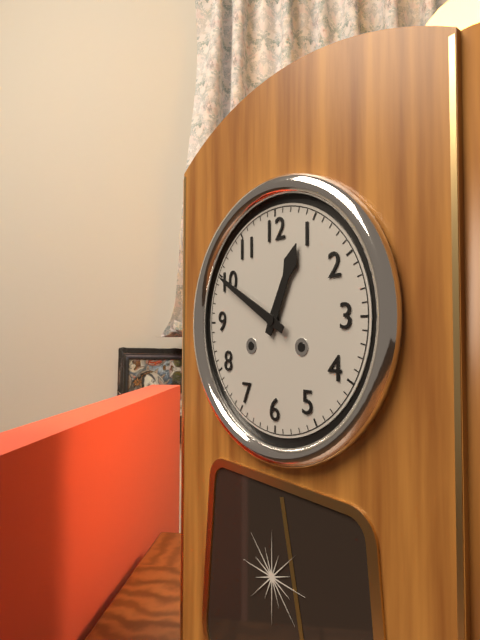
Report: 12:50
